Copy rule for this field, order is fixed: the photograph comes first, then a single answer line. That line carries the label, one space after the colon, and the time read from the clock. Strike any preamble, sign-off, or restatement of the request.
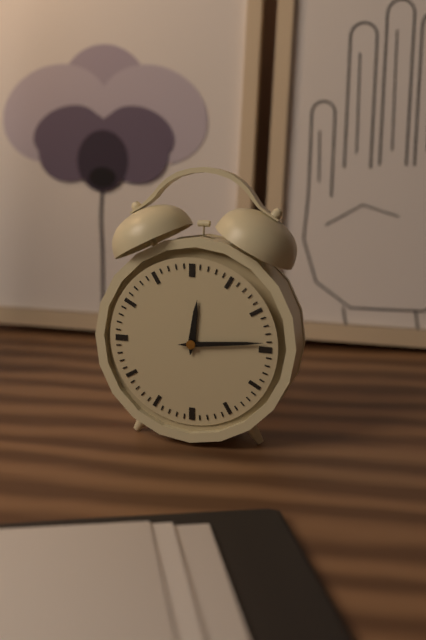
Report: 12:14
